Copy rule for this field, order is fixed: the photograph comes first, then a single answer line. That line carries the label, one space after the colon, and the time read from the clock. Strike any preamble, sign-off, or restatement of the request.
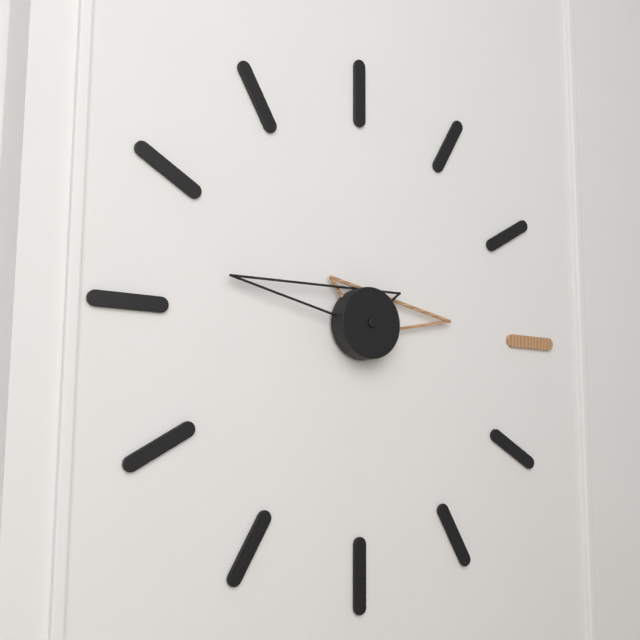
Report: 2:47
